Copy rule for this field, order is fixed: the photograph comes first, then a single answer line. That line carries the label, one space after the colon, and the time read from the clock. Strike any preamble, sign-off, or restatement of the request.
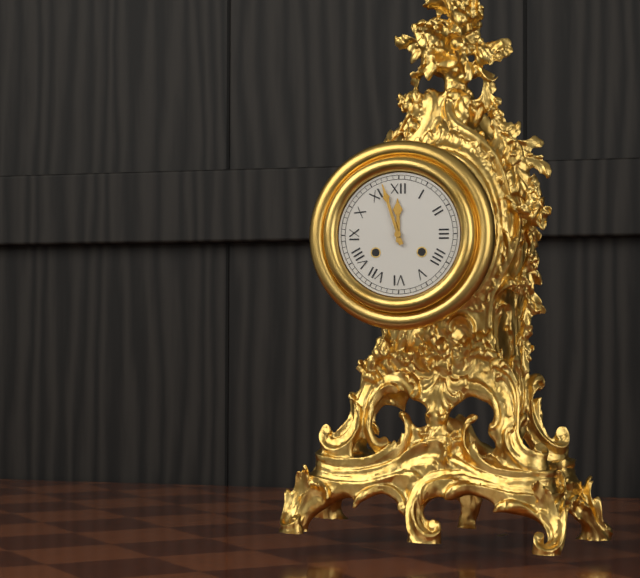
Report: 11:57
